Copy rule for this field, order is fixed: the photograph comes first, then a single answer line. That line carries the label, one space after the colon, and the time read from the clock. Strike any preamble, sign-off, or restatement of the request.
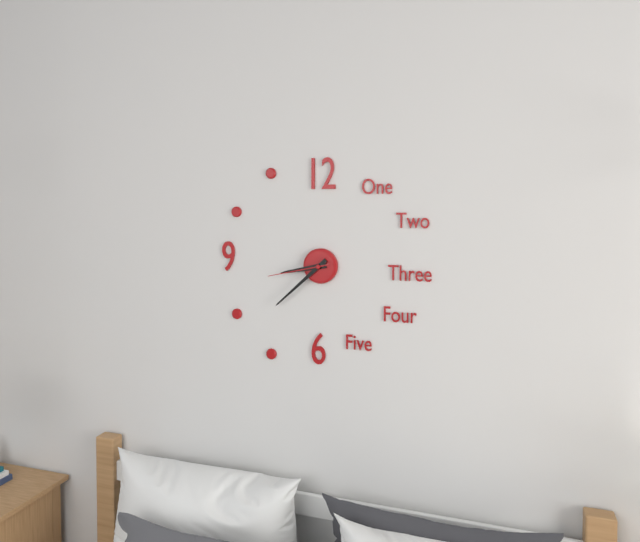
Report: 8:38:43
